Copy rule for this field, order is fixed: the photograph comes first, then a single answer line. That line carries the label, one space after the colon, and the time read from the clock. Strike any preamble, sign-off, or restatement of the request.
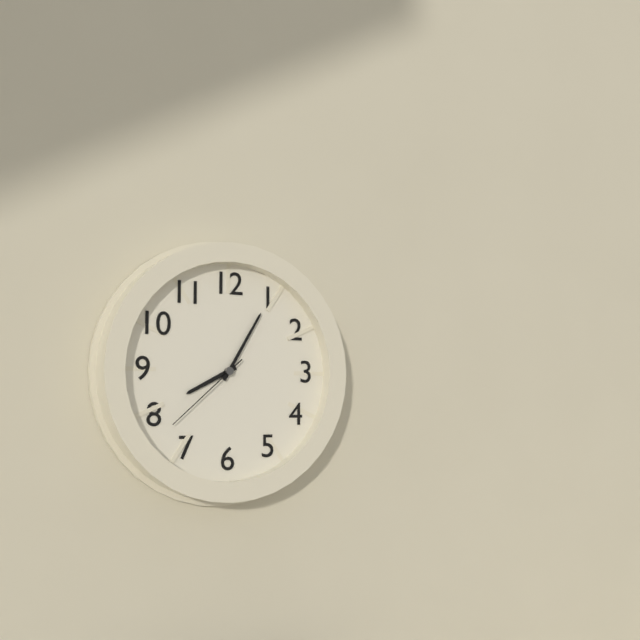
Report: 8:05:38
